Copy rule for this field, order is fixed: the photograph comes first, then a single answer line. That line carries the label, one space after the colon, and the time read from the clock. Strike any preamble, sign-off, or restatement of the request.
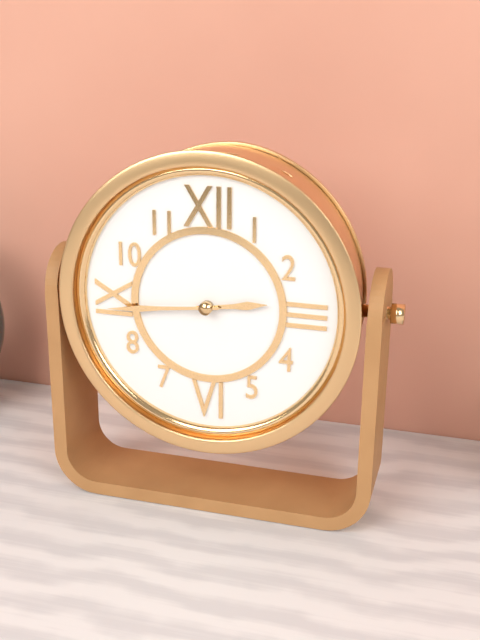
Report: 2:44
